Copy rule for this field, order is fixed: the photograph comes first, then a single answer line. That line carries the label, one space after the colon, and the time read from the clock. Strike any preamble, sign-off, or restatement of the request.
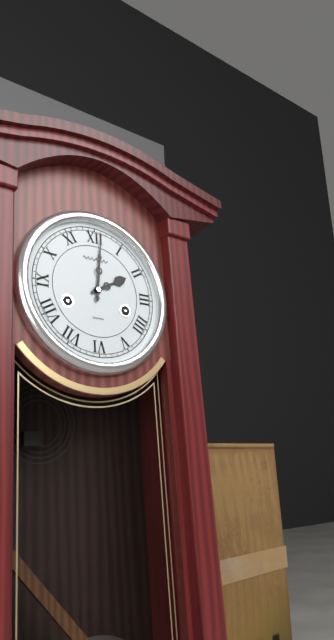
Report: 2:01
